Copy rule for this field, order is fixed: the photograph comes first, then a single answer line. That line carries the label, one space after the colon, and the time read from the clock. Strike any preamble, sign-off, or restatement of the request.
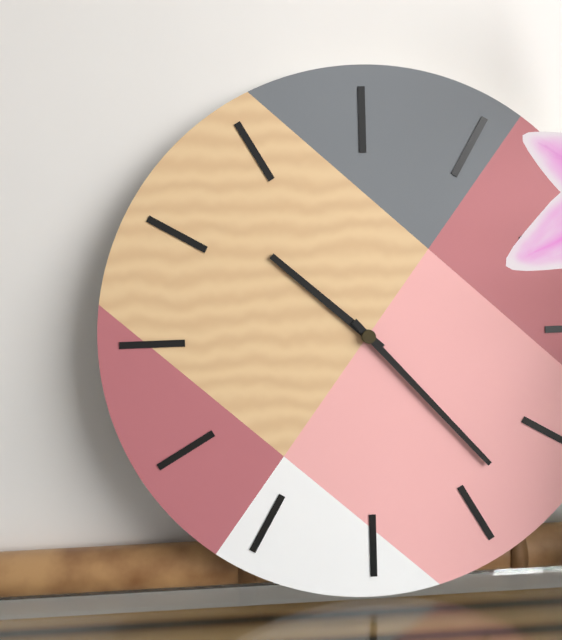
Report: 10:23
